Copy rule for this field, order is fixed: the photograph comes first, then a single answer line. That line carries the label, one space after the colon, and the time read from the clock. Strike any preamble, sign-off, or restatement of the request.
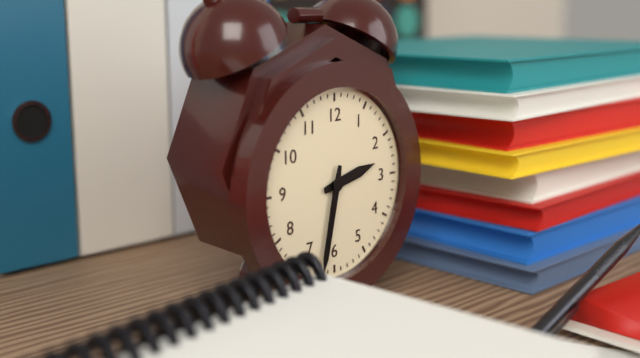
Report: 2:32
